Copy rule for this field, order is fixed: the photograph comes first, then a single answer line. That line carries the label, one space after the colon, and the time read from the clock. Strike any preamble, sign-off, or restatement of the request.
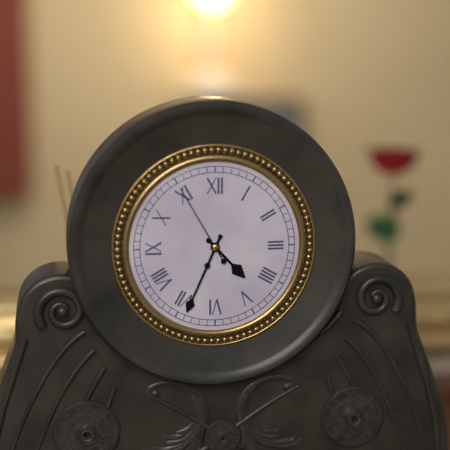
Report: 4:34:55
